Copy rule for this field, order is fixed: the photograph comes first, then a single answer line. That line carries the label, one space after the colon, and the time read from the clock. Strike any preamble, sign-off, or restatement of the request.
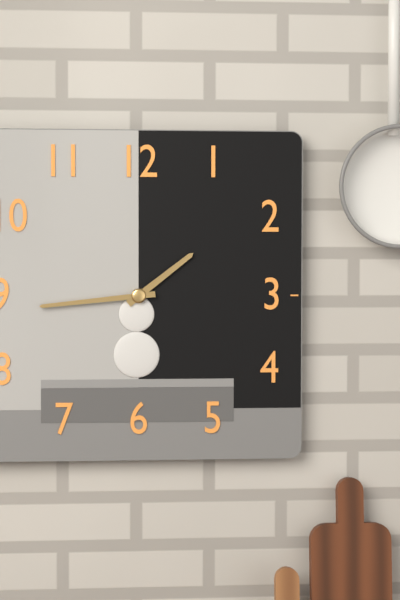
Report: 1:44
